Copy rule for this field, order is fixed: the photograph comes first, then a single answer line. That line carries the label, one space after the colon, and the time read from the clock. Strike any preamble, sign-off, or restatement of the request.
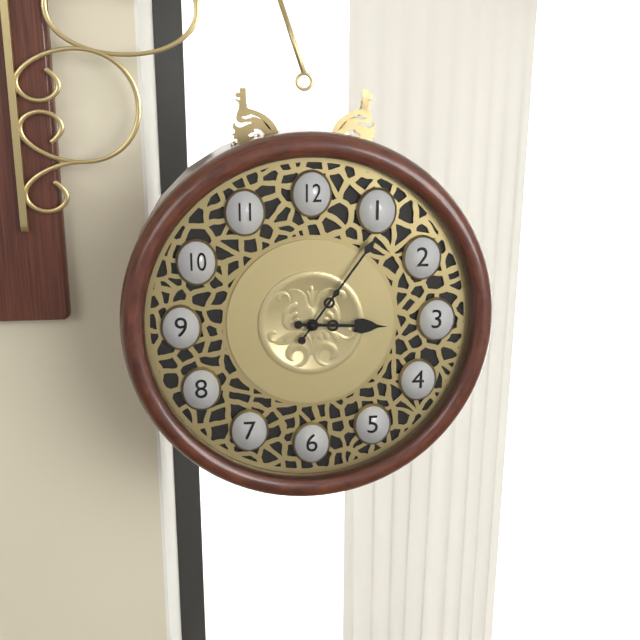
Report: 3:06
